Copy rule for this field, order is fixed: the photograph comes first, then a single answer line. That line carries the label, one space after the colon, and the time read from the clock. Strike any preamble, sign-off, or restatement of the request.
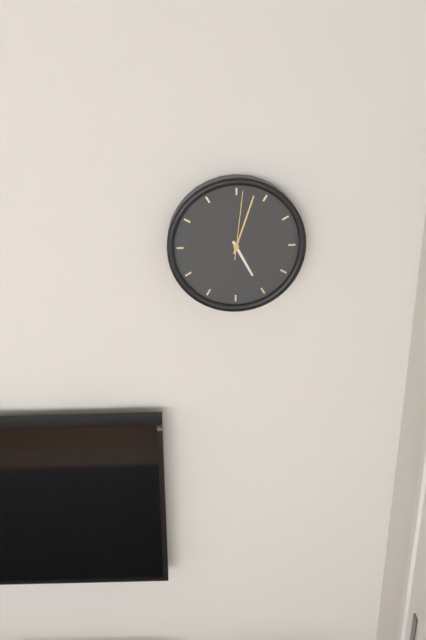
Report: 5:03:01
